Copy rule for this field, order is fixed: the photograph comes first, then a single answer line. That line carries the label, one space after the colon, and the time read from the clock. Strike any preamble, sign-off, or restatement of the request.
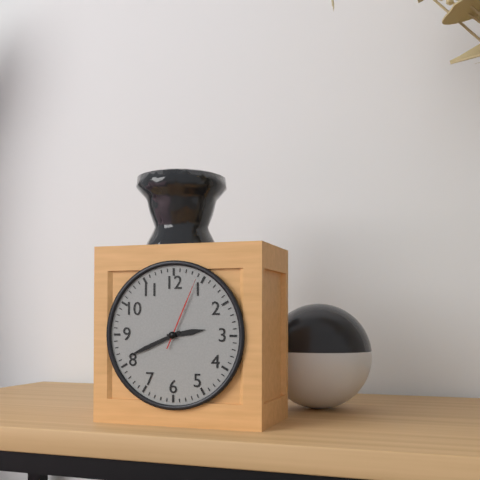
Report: 2:41:04
